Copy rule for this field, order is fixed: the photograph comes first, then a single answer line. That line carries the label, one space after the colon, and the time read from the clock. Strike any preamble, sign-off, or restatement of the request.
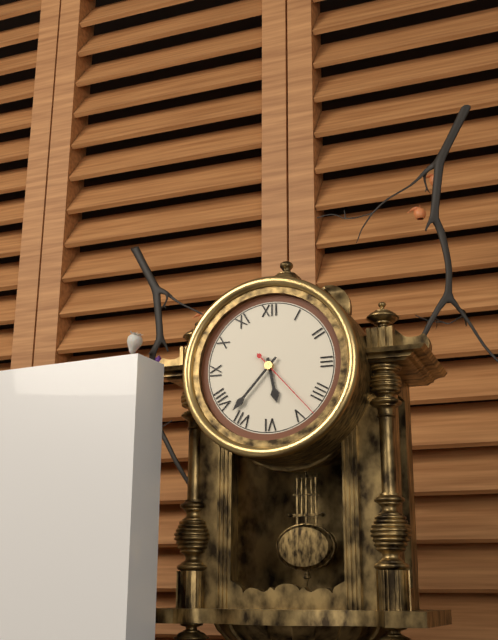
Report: 5:37:23
